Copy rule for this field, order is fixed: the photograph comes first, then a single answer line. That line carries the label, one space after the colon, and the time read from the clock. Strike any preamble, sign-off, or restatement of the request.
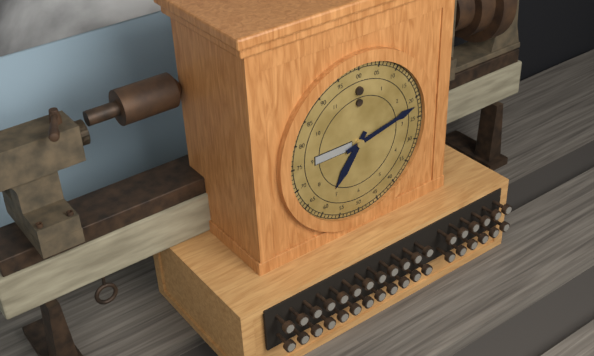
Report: 7:13
